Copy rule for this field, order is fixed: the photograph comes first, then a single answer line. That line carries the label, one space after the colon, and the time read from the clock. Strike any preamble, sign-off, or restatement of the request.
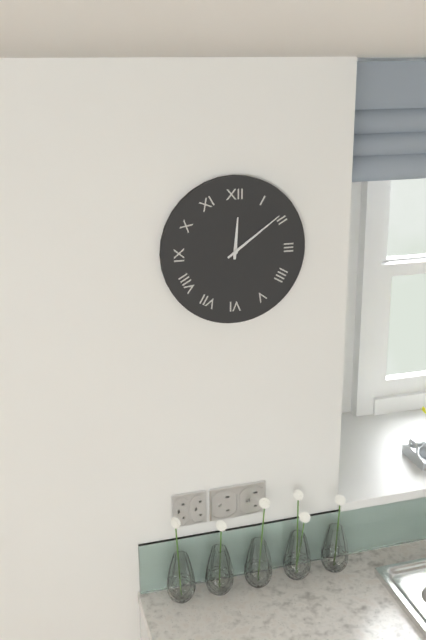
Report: 12:09
